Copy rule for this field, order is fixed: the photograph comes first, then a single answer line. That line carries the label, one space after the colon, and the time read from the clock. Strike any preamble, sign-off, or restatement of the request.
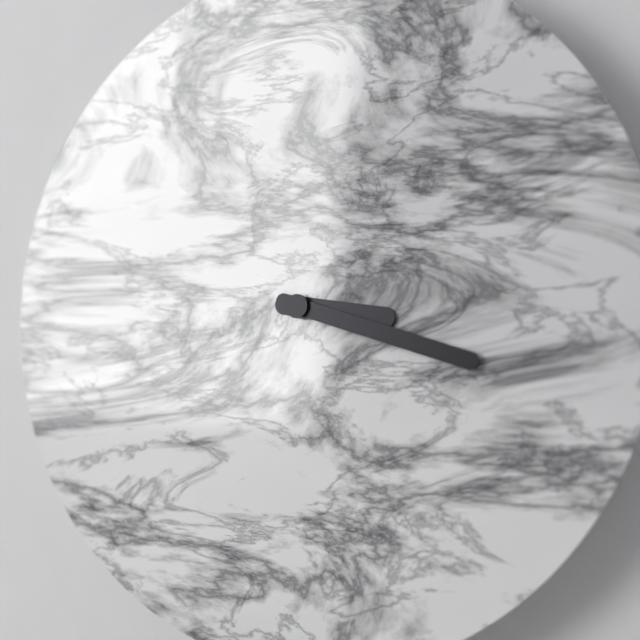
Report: 3:18
